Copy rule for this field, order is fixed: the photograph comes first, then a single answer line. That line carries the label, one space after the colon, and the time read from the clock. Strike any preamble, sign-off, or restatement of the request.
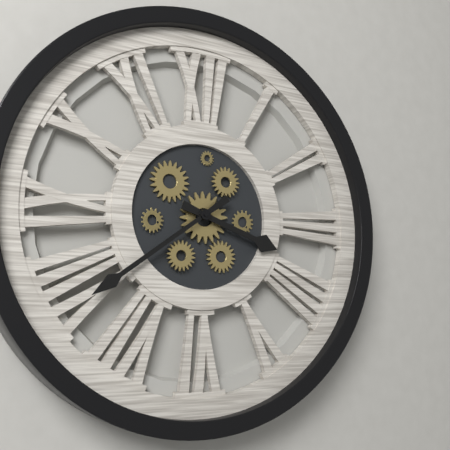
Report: 3:39
